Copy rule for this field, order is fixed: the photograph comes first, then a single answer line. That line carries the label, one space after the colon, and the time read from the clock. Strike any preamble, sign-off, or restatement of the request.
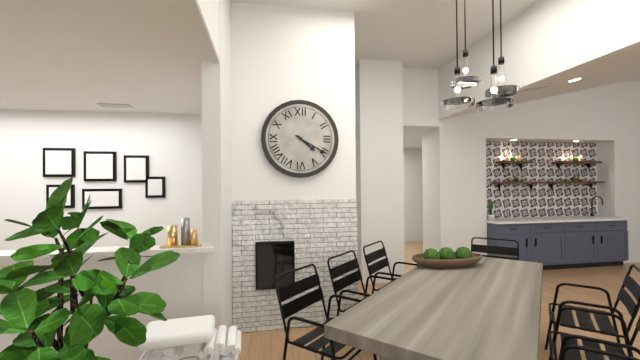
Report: 4:20
